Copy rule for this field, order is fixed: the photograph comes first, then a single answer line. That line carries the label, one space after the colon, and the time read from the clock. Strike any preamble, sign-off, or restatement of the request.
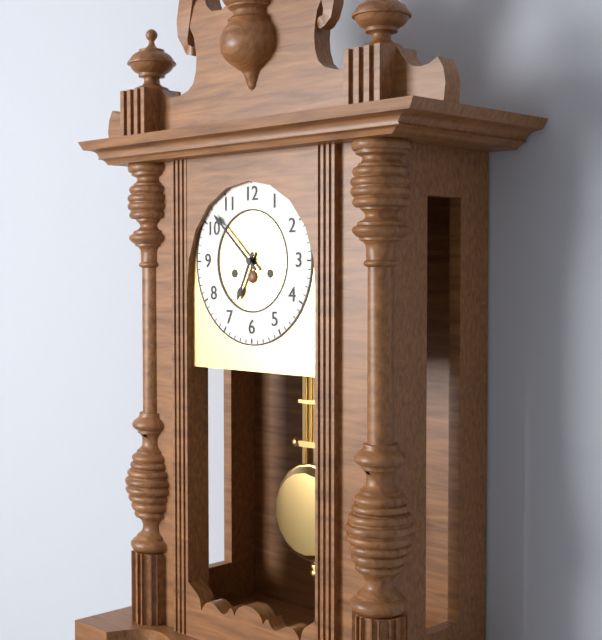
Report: 6:52
